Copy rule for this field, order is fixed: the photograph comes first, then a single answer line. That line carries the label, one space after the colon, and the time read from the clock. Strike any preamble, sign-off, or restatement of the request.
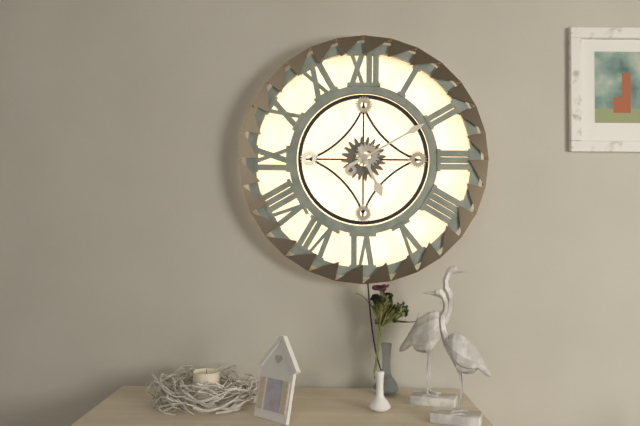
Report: 5:10
